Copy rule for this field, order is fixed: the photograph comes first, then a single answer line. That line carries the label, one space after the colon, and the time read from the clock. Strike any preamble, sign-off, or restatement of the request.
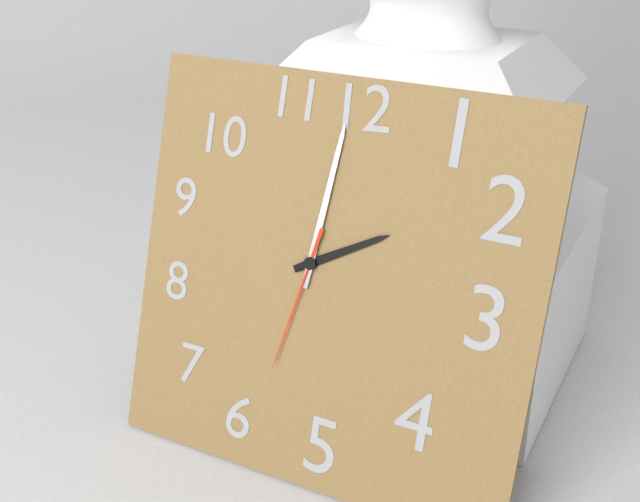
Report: 2:01:32
